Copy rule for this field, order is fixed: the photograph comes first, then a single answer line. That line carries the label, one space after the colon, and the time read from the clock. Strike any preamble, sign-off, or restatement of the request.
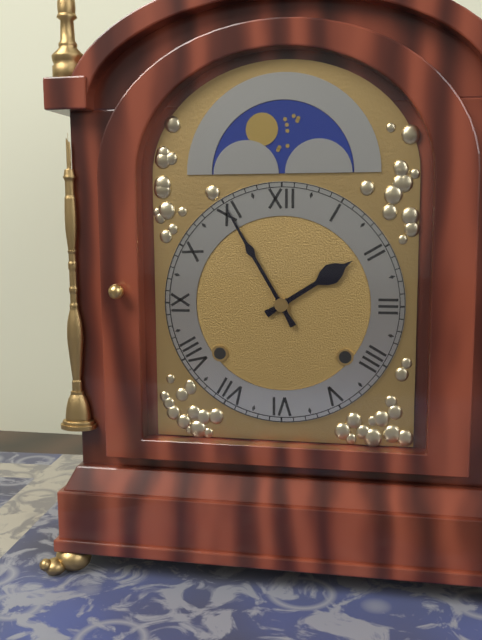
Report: 1:55
